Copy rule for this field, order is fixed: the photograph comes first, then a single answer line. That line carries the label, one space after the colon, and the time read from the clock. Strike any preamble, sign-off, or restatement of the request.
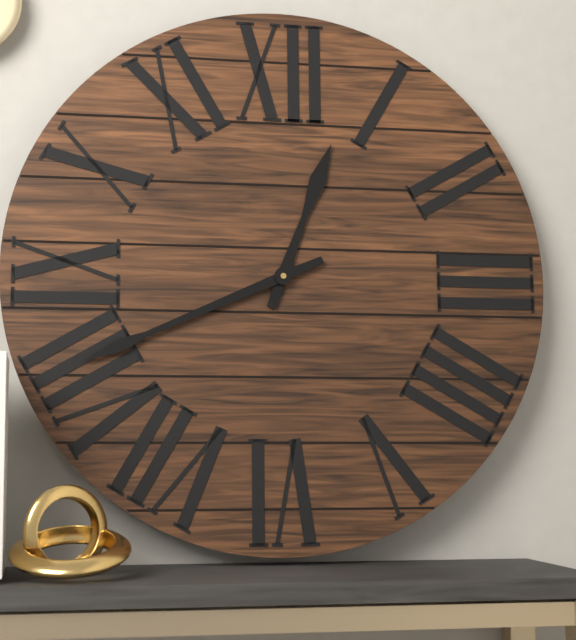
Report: 12:41
